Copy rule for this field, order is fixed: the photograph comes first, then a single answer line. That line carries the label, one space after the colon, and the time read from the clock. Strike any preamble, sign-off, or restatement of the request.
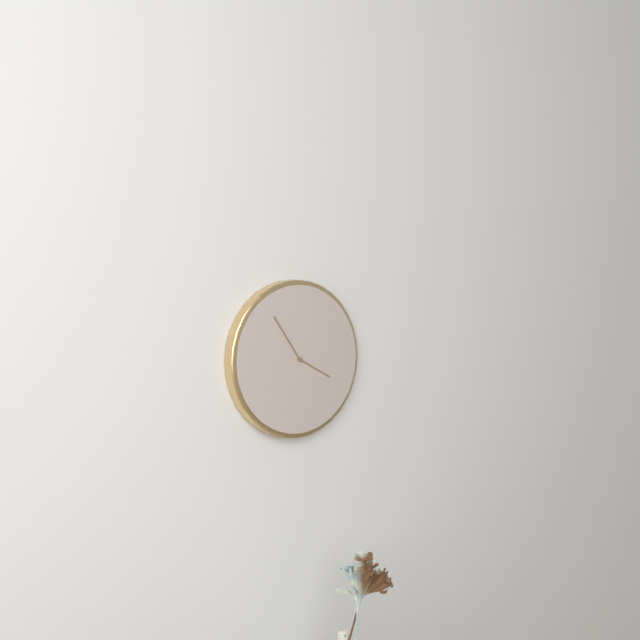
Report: 3:54
